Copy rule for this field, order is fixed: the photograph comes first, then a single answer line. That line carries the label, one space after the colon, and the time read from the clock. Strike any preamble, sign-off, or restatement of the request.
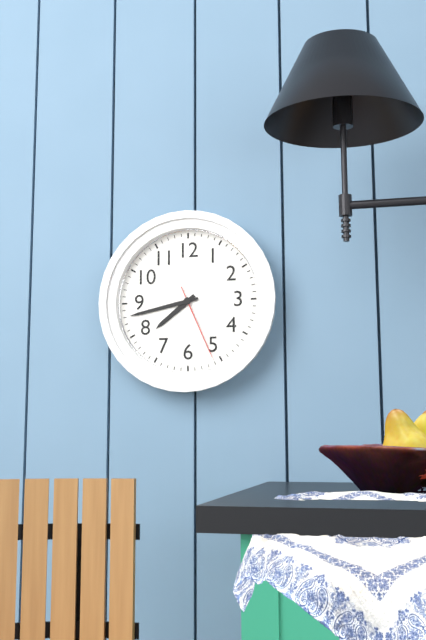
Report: 7:43:26
